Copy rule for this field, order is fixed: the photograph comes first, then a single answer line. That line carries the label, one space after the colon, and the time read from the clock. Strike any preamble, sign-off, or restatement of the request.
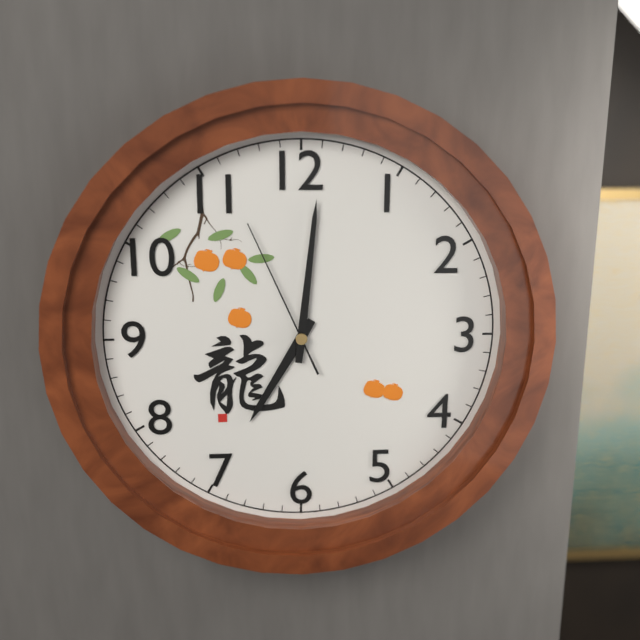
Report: 7:01:56
